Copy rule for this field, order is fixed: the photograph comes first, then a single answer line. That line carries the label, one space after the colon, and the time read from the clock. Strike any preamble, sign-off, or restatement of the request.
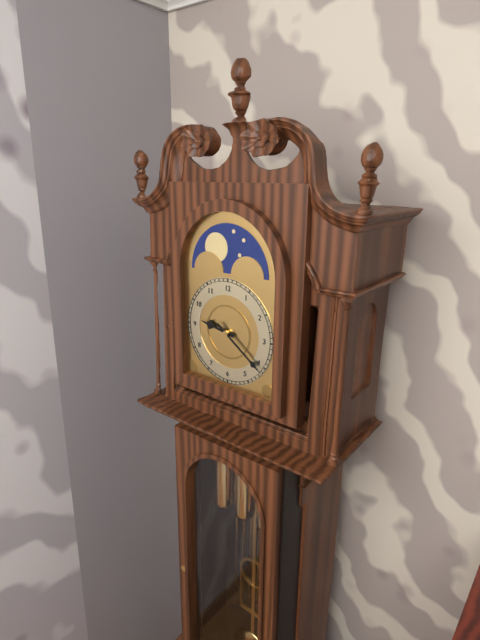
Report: 9:21
